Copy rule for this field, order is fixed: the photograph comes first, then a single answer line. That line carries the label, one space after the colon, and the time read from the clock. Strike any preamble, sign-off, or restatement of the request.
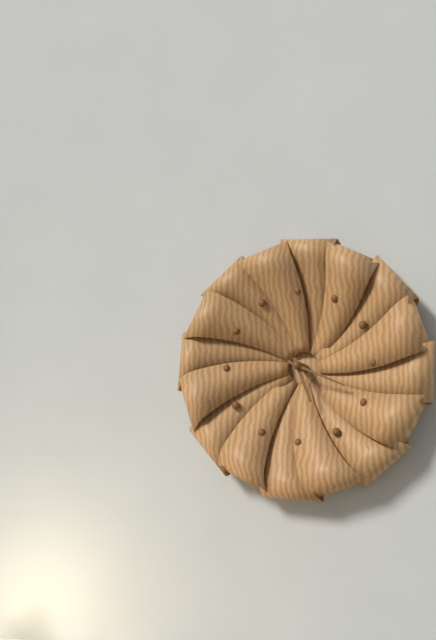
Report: 5:19
